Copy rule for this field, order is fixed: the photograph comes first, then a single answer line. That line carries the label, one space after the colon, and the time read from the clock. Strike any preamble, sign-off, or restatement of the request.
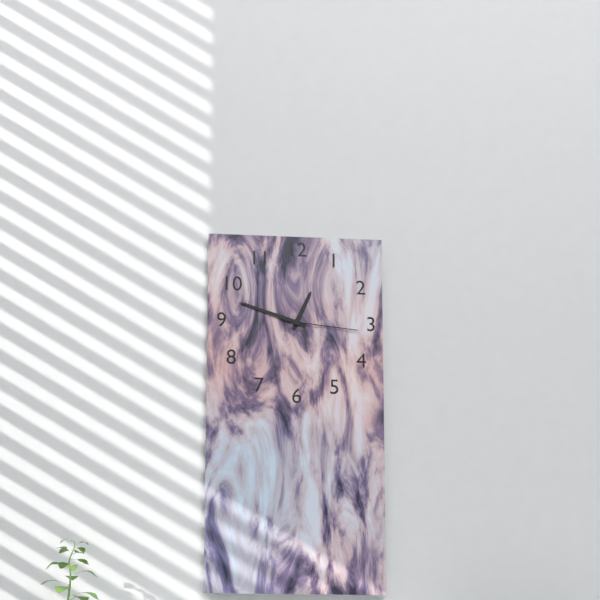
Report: 12:48:16
